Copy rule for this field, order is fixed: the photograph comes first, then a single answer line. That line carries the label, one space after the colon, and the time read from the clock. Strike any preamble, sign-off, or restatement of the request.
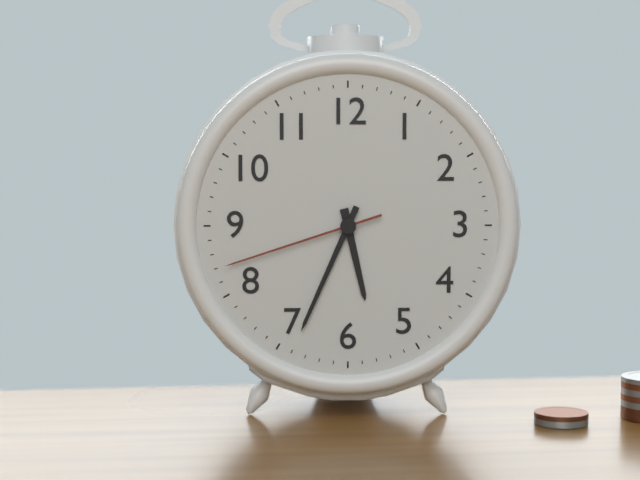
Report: 5:34:42
